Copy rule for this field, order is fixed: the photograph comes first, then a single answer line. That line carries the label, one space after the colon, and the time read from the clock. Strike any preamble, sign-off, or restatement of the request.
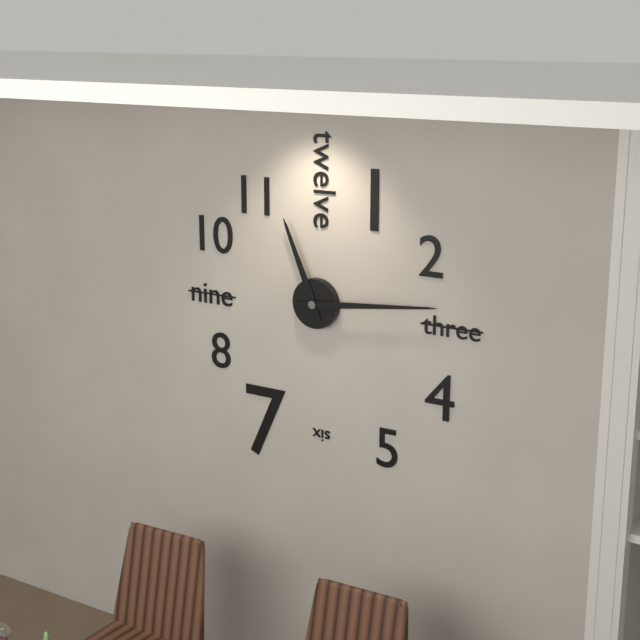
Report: 11:14
